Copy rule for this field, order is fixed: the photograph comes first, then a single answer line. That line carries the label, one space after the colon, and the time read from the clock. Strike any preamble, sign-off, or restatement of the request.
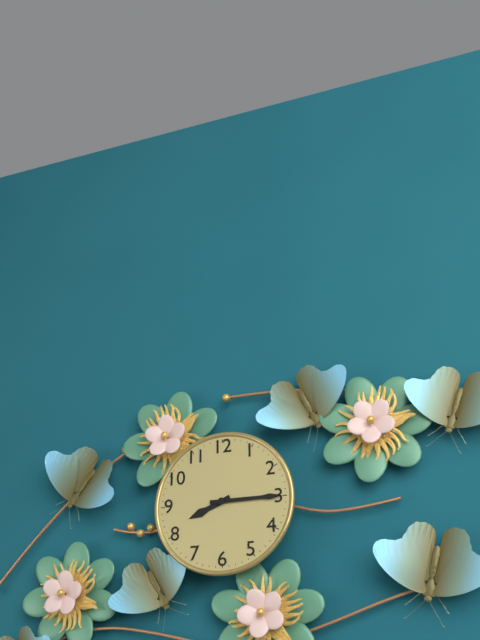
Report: 8:15
